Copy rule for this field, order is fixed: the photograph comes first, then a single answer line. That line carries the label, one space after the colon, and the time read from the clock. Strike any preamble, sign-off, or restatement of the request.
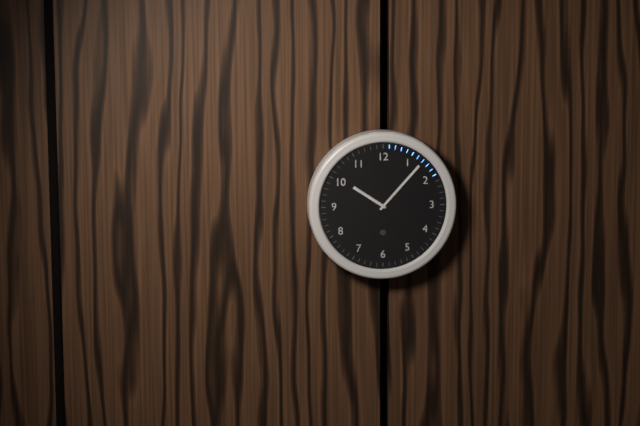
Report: 10:07
